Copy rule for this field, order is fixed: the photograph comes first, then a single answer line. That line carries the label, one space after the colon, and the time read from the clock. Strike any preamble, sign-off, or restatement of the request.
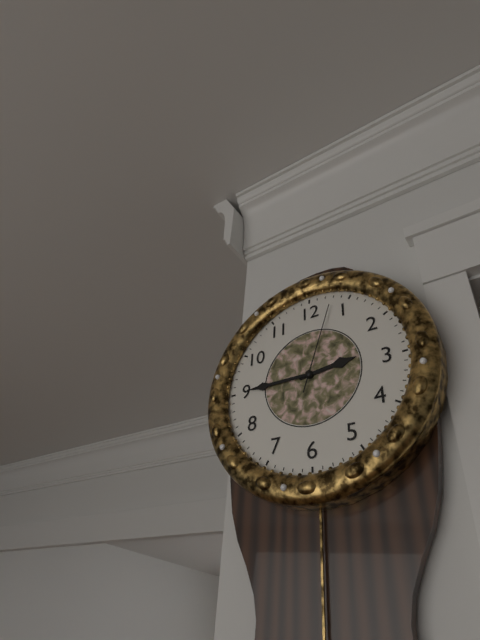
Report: 2:45:03
